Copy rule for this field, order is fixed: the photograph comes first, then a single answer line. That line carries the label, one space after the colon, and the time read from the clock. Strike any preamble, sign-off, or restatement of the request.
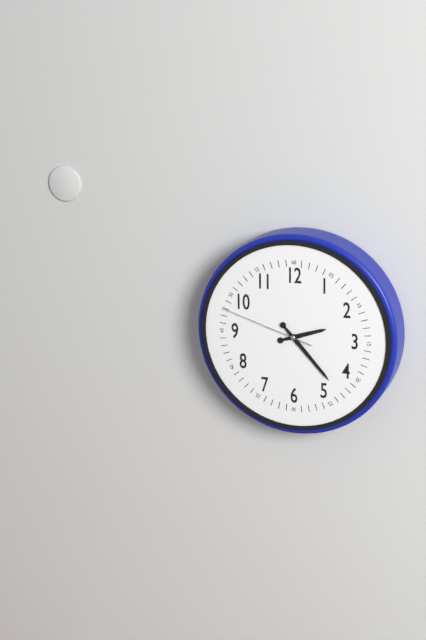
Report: 2:23:48
